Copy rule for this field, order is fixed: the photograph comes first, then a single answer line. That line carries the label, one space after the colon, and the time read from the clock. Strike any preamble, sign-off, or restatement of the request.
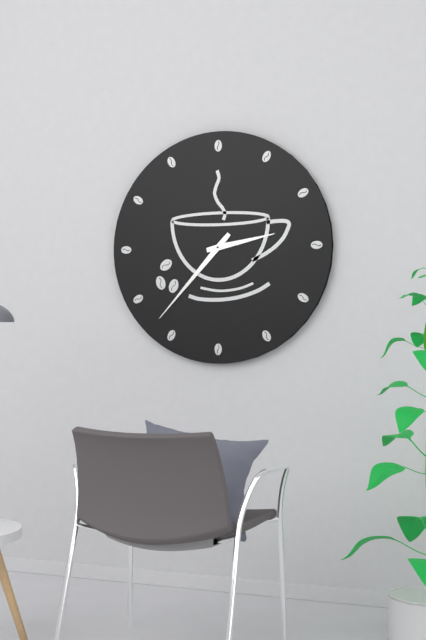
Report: 2:37
